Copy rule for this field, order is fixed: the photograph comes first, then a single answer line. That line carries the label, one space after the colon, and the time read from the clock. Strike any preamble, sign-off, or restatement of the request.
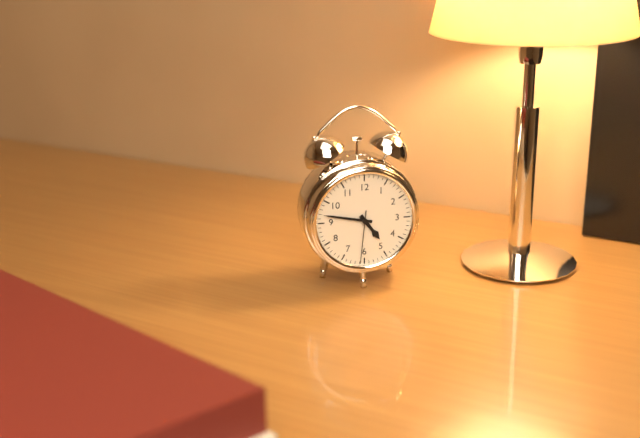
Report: 4:47:31
